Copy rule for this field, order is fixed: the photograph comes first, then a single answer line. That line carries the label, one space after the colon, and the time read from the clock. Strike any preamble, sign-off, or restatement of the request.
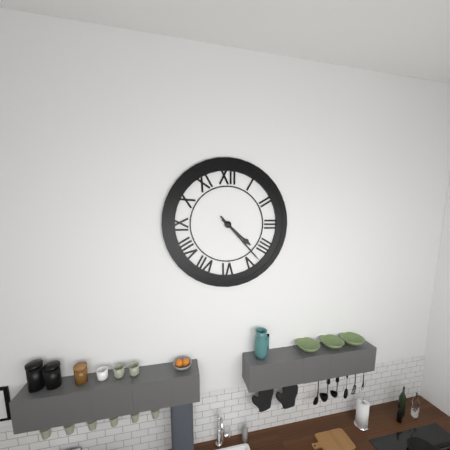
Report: 4:23
